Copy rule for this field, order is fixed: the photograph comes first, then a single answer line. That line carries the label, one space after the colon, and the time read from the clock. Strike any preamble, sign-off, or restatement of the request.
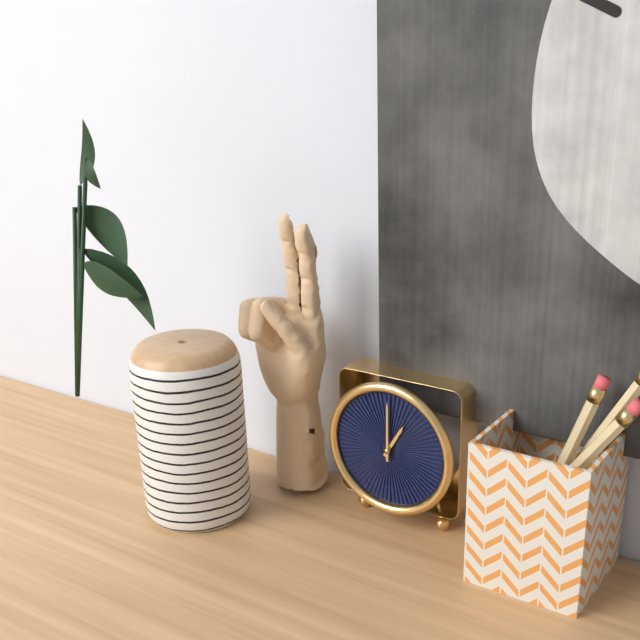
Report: 1:00
